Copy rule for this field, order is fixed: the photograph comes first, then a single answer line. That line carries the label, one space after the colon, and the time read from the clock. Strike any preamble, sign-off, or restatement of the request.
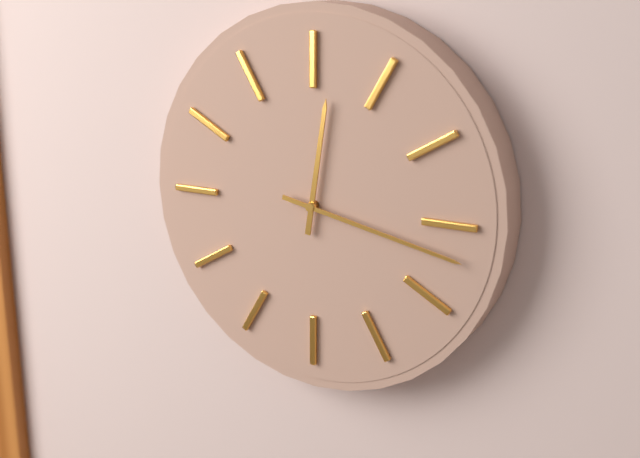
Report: 12:17
